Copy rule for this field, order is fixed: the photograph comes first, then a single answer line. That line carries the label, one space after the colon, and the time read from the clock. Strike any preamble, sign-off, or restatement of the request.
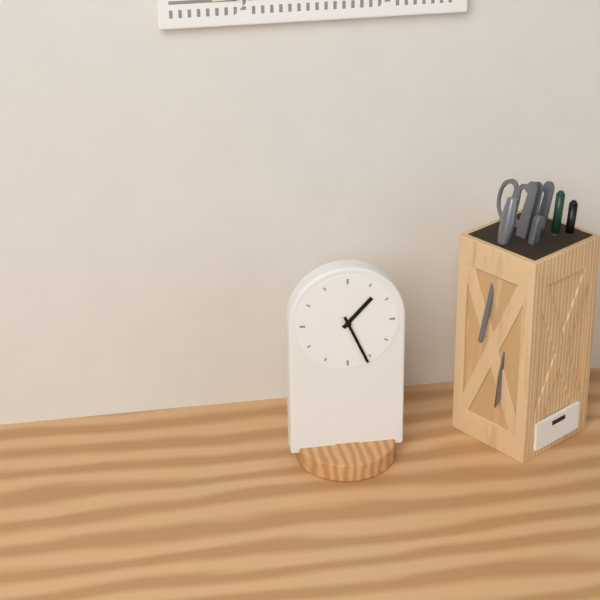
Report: 1:26
